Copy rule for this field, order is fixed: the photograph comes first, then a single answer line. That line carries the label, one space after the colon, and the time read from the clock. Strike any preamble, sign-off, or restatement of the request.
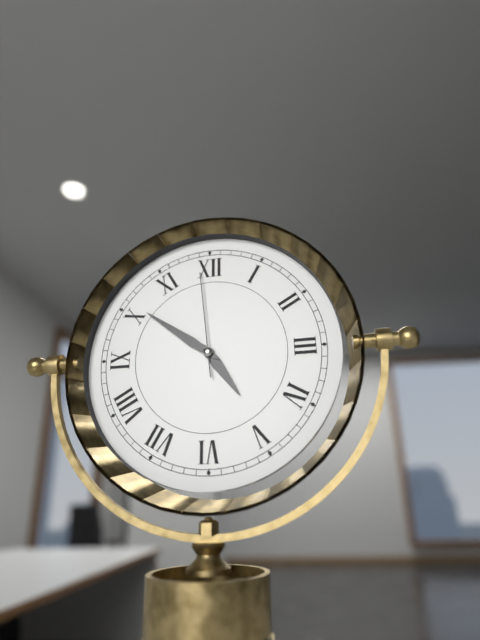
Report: 4:51:59
